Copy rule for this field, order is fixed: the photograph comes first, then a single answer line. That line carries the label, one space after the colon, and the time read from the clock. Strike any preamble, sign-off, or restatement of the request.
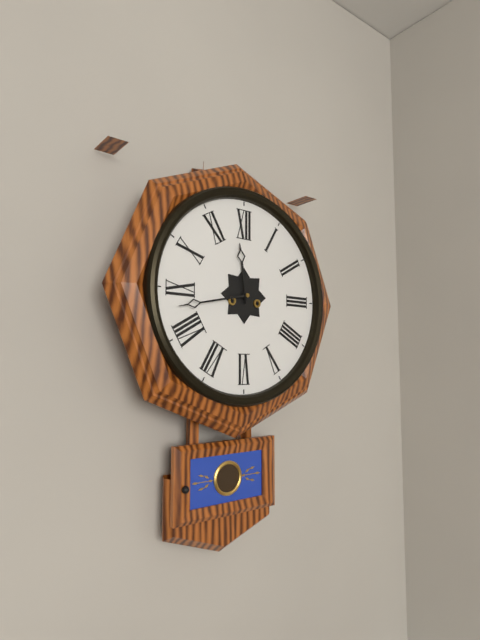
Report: 11:43
